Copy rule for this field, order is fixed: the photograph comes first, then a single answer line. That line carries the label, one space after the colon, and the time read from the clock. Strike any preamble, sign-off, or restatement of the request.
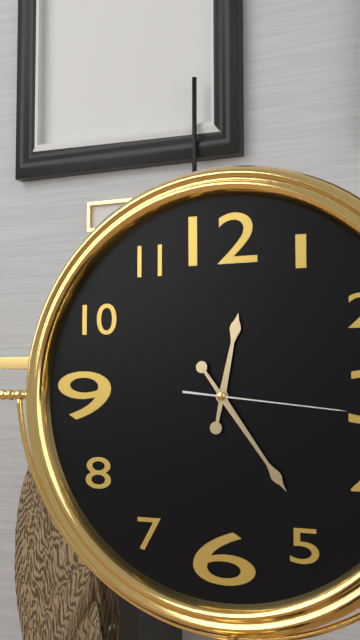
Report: 12:24:16
